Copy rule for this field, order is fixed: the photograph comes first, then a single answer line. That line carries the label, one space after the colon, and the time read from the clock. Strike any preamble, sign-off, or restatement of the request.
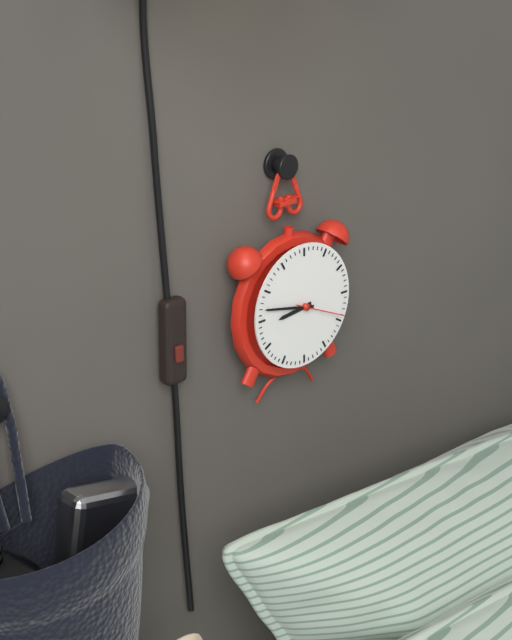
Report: 8:47:19
